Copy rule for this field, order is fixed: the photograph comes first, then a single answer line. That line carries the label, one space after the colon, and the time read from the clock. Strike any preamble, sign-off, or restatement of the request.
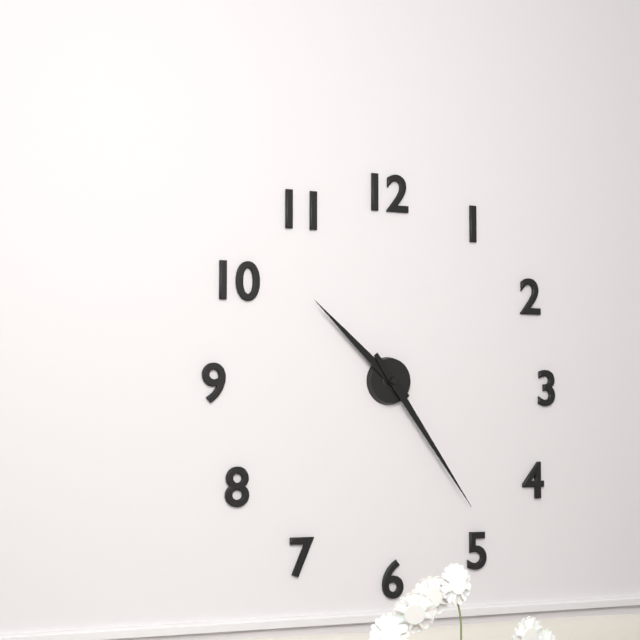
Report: 10:24
